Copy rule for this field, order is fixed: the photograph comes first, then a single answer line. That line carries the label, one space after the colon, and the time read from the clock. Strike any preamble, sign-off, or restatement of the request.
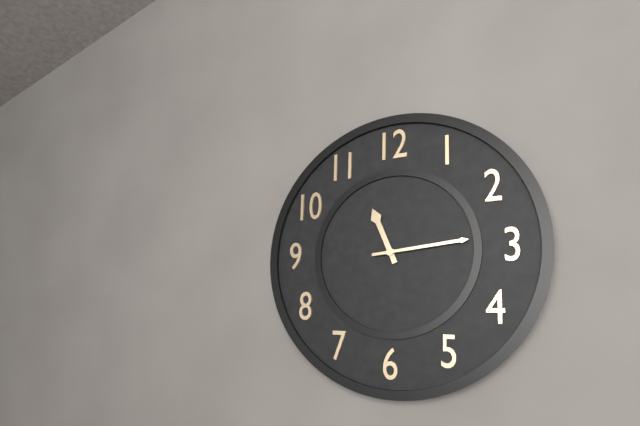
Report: 11:14
